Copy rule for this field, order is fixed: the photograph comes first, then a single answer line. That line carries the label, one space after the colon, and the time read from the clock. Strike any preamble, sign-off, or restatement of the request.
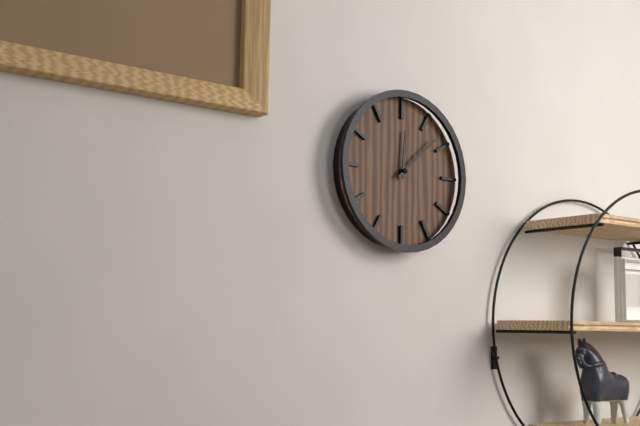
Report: 12:08
